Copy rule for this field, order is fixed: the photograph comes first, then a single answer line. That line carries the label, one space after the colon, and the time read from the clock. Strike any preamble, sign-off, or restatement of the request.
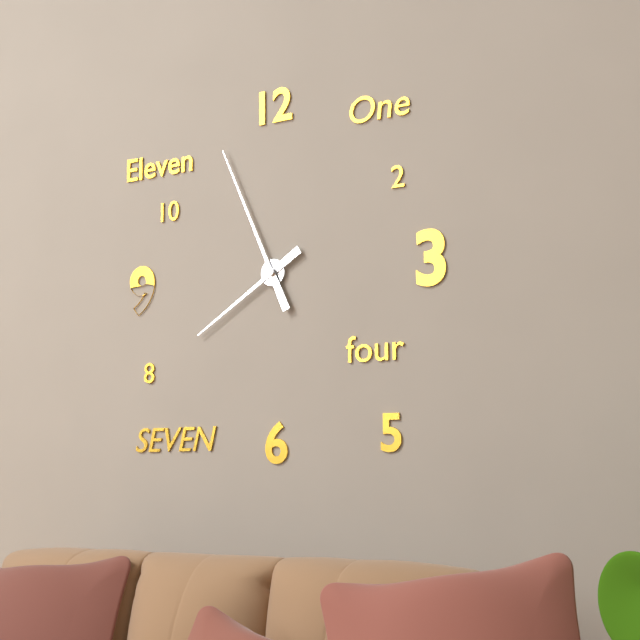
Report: 7:56
